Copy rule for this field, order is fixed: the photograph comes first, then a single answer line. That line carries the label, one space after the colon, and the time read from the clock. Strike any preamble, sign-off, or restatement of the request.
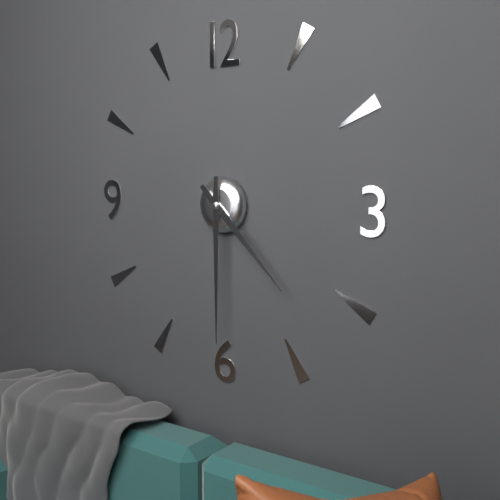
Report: 4:30
